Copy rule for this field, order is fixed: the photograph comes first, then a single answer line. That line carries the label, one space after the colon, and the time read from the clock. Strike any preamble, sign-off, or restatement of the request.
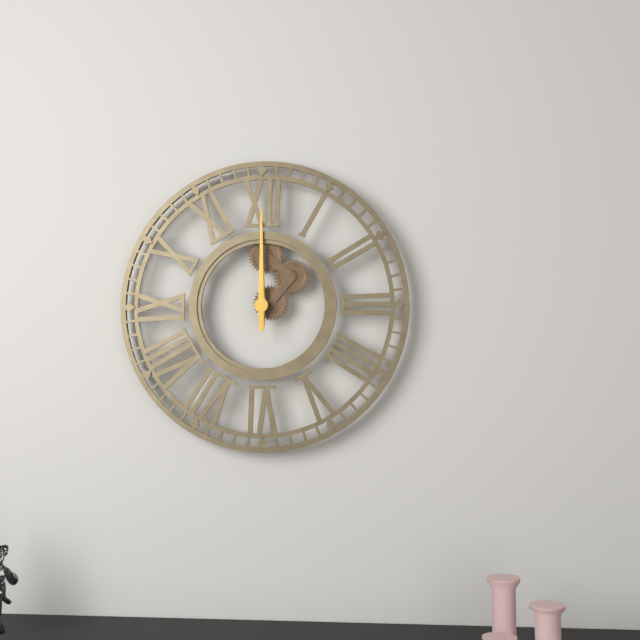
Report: 12:00
